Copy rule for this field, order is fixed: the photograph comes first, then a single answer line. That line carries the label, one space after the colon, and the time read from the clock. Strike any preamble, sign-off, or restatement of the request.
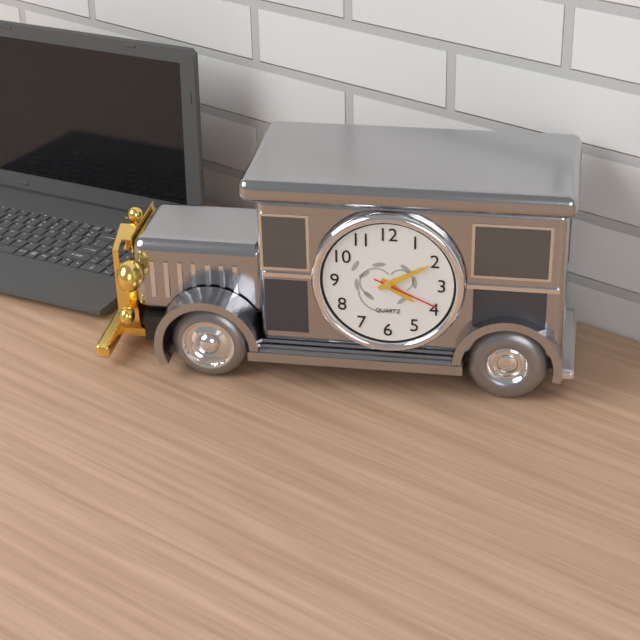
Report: 4:10:19
